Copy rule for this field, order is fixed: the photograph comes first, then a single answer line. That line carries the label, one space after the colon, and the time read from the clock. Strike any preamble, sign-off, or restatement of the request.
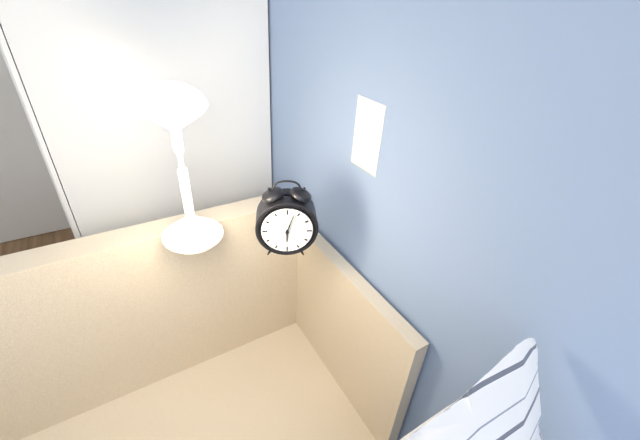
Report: 6:03
